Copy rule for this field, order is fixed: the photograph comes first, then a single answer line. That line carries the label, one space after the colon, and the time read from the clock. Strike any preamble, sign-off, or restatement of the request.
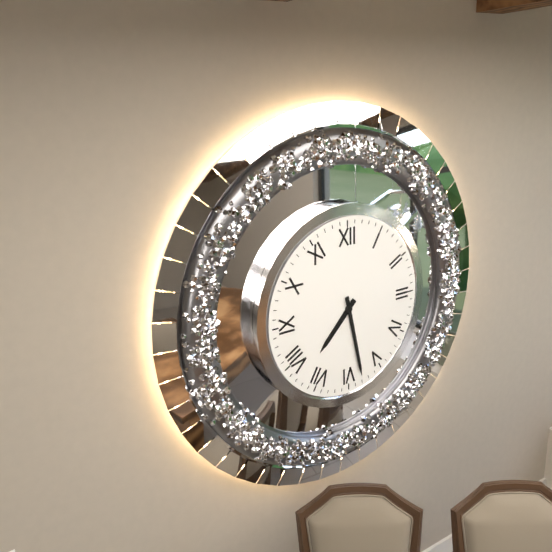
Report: 7:28
